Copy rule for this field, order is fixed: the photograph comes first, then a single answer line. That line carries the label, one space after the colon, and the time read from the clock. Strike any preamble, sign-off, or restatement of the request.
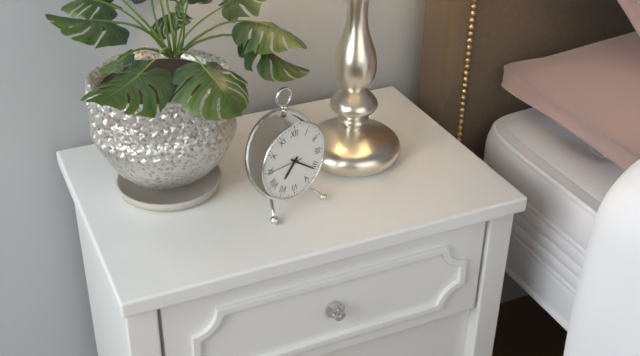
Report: 7:21
